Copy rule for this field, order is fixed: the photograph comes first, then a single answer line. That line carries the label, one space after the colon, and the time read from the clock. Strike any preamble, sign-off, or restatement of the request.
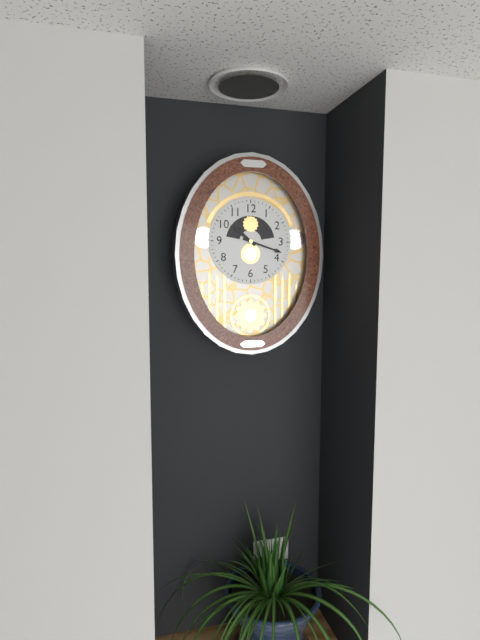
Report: 10:18
